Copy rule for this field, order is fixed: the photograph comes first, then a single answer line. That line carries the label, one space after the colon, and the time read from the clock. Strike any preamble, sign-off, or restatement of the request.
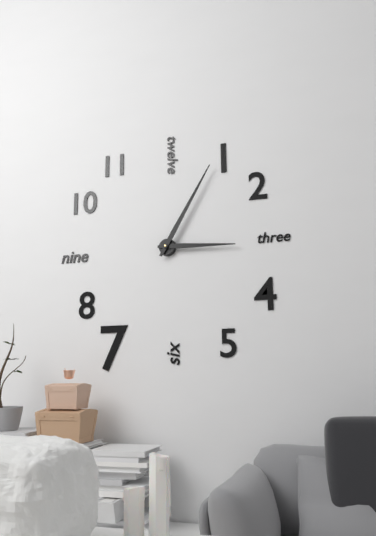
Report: 3:05
